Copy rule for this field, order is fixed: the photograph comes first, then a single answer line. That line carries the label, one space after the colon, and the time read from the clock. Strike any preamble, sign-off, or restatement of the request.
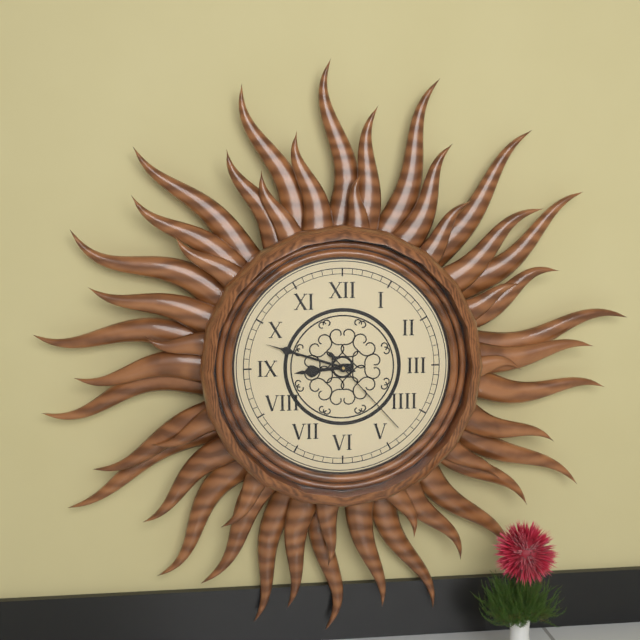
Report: 8:48:23
